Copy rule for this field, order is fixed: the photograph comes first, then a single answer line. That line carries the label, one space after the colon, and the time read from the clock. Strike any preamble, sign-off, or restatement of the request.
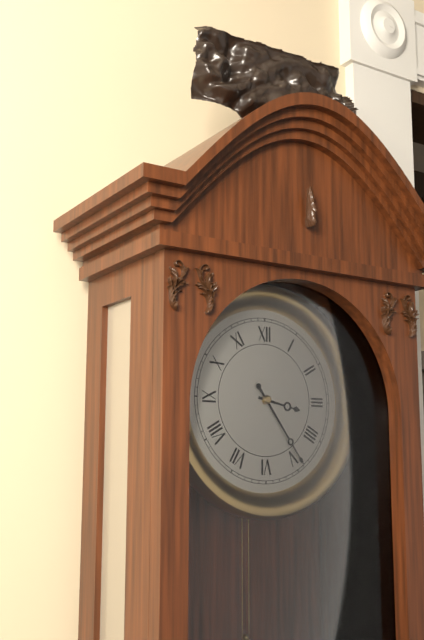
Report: 3:24
